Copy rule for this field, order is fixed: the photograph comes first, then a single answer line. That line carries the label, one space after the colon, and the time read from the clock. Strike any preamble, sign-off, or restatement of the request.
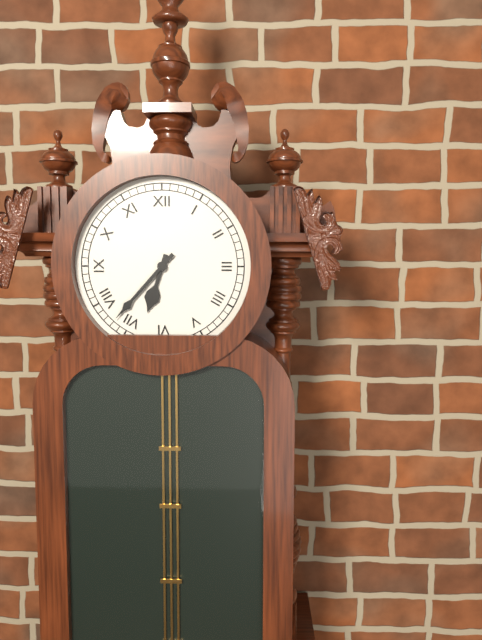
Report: 6:37
